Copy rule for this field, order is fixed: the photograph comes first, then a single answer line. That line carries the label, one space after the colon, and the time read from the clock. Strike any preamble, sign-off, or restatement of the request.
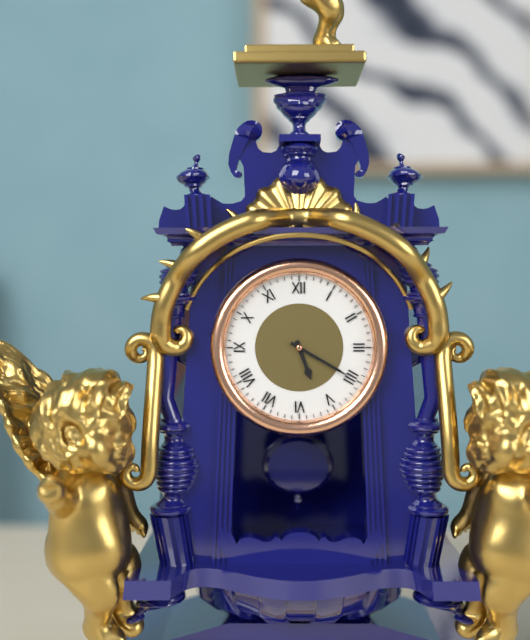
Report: 5:20
